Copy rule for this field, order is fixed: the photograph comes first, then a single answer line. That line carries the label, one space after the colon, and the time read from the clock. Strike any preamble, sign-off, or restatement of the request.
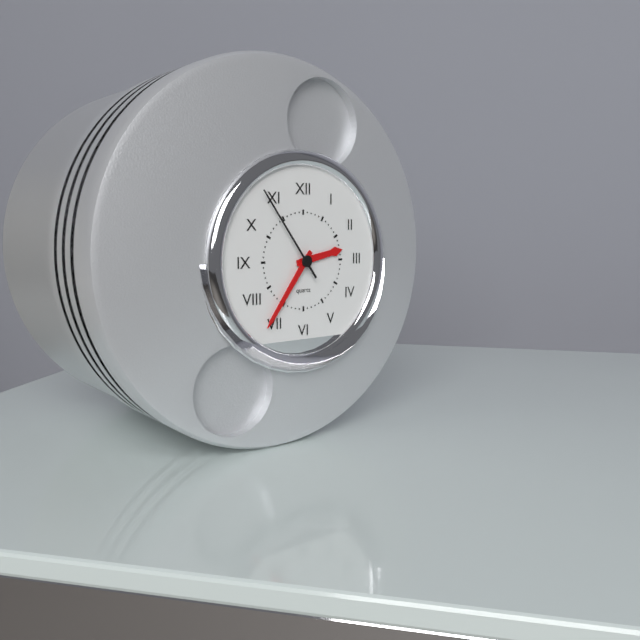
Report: 2:36:54
